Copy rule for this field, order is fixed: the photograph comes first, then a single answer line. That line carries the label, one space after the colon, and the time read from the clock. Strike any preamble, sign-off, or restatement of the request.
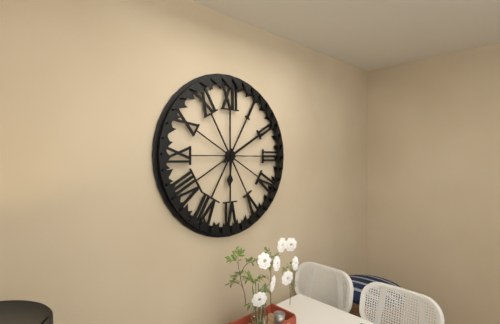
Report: 6:10
